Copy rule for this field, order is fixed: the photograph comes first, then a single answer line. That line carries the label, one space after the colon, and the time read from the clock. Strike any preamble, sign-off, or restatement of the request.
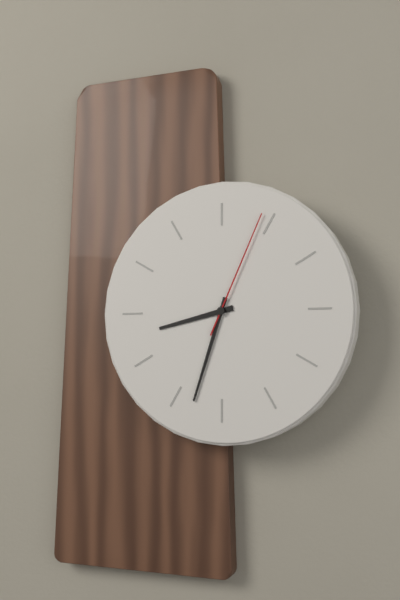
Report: 8:33:04
